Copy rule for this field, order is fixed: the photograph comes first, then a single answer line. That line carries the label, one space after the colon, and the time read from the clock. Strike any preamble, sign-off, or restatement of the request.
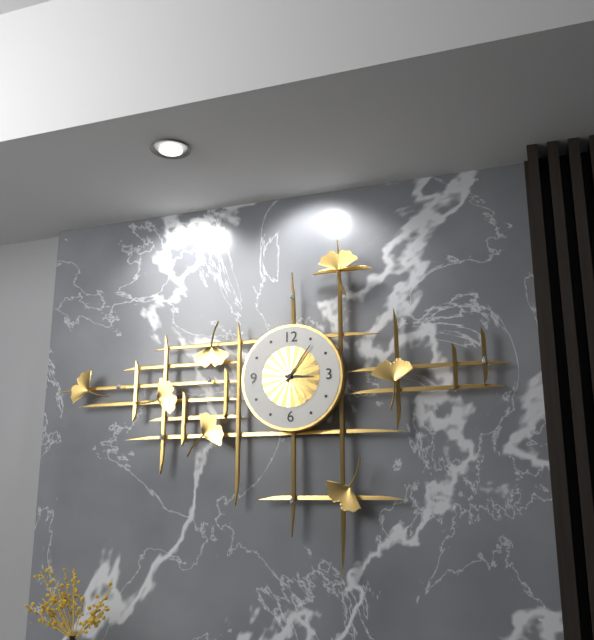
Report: 3:06
